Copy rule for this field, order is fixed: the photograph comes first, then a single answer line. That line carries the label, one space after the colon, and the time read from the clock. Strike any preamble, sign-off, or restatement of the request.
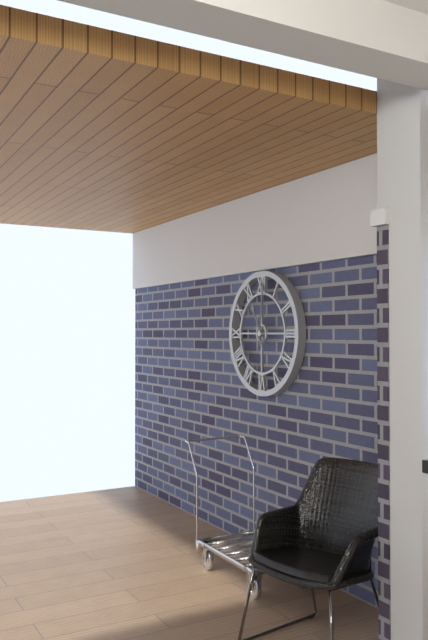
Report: 11:01
